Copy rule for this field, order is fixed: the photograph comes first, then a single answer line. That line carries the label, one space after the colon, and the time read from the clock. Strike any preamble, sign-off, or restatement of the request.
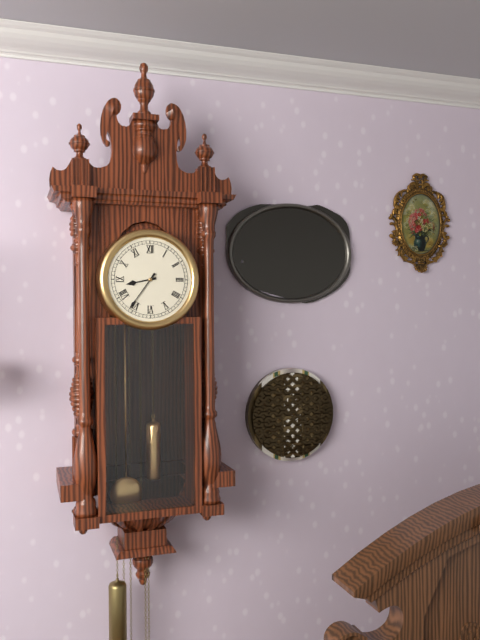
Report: 8:36
